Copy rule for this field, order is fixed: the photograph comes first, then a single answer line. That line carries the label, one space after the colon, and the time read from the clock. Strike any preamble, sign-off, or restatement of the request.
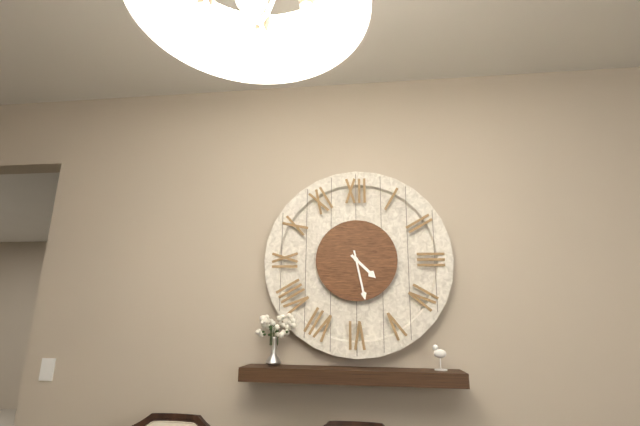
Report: 4:28
